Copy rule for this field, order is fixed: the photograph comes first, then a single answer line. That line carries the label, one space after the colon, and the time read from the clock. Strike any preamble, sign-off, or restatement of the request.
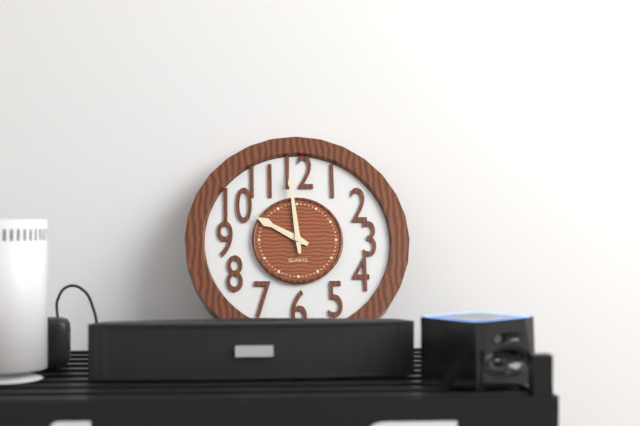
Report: 9:59
